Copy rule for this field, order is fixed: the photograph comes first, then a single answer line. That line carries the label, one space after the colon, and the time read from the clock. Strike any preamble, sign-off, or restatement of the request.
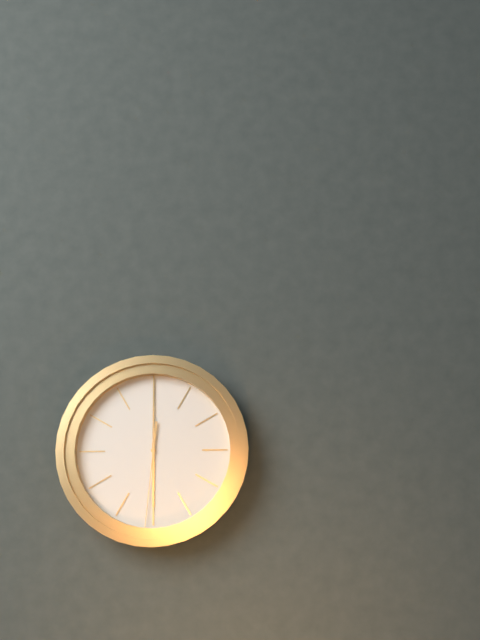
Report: 6:00:31
